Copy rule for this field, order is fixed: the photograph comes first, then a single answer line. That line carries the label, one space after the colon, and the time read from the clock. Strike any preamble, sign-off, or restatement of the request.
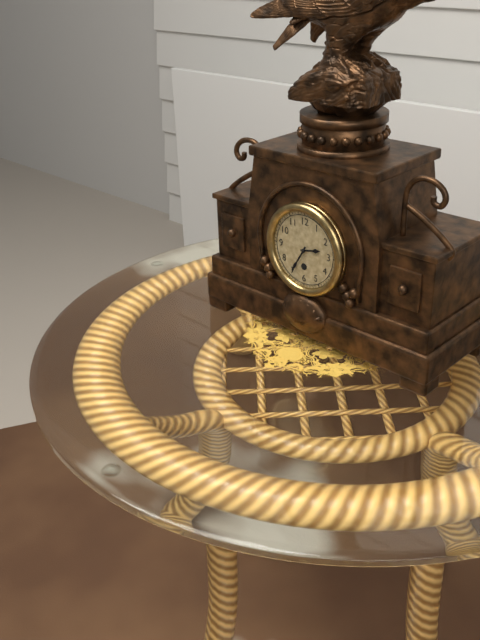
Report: 2:35
